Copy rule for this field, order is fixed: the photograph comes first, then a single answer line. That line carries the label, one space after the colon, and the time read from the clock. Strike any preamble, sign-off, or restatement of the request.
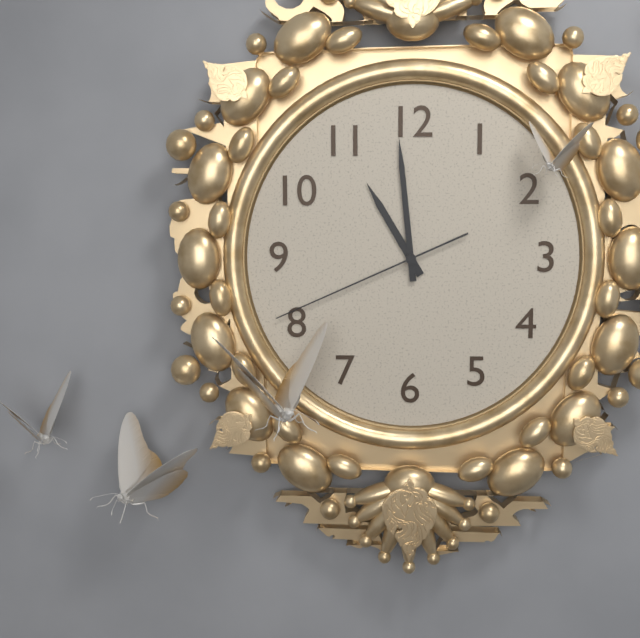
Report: 10:59:41
